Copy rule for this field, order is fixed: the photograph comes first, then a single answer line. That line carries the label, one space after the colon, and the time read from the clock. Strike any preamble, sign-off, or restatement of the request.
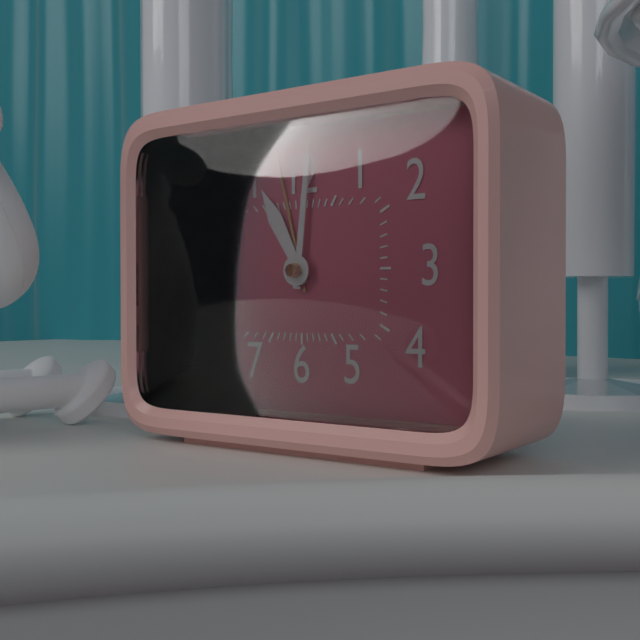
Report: 11:01
